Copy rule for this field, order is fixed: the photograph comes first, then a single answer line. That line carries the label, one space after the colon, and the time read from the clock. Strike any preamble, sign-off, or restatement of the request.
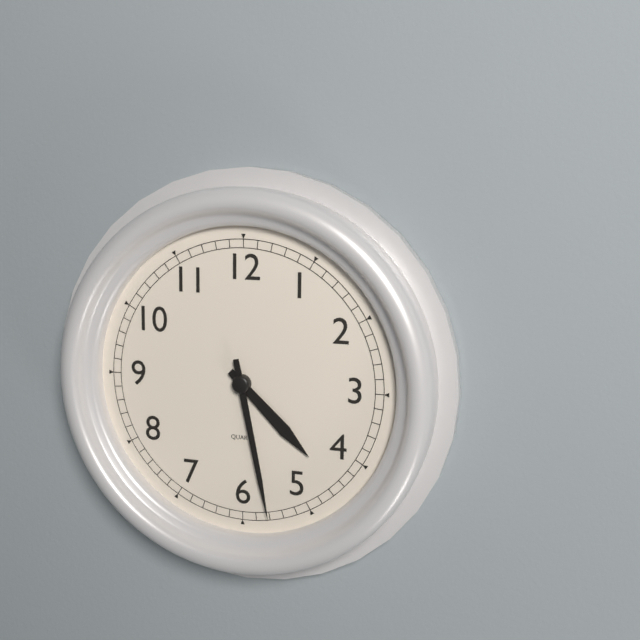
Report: 4:28
